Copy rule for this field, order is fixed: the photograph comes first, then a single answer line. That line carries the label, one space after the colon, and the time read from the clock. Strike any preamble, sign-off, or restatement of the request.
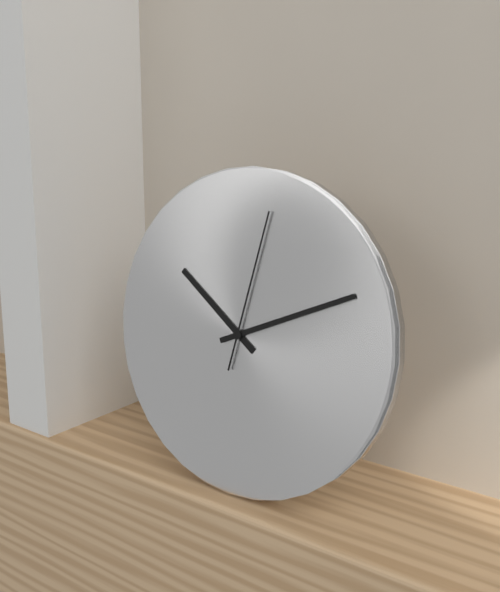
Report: 10:11:02
